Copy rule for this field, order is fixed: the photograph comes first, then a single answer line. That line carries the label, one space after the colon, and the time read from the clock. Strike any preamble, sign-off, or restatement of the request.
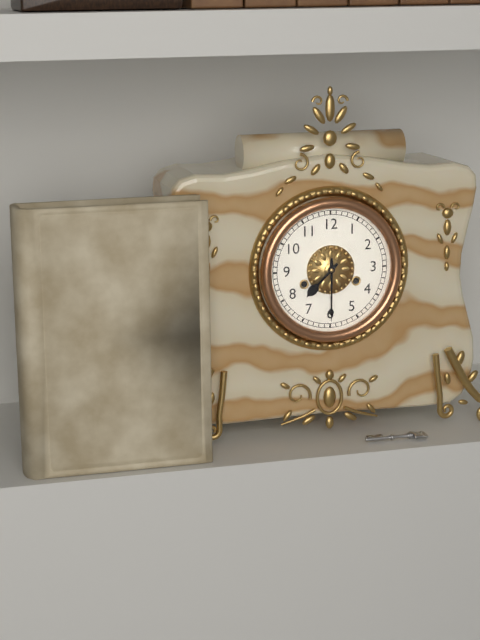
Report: 7:30
